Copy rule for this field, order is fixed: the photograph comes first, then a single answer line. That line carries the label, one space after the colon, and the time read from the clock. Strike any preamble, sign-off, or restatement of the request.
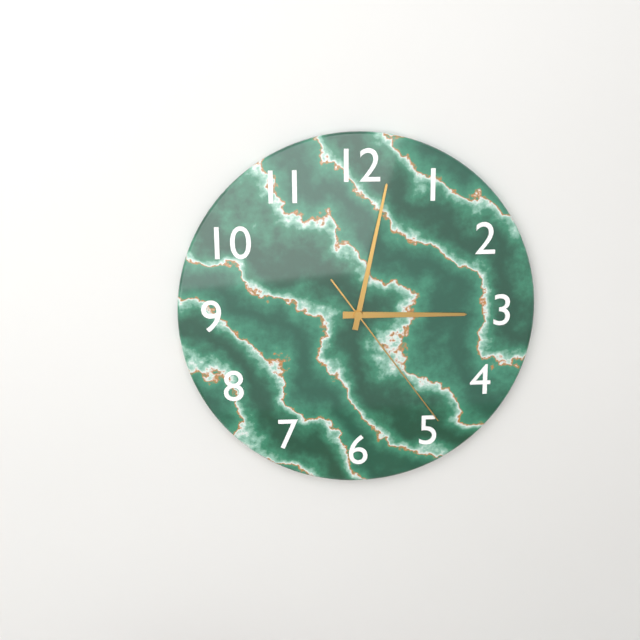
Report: 3:02:24
